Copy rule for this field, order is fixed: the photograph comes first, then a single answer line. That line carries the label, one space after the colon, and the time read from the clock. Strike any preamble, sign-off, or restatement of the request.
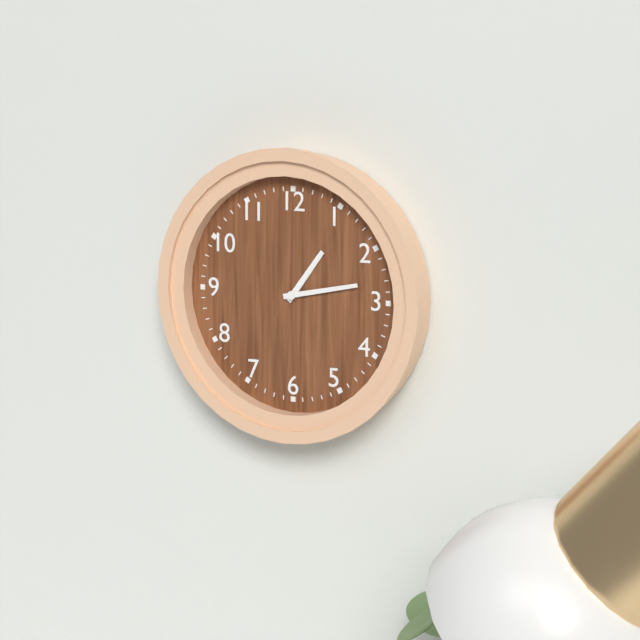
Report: 1:13
